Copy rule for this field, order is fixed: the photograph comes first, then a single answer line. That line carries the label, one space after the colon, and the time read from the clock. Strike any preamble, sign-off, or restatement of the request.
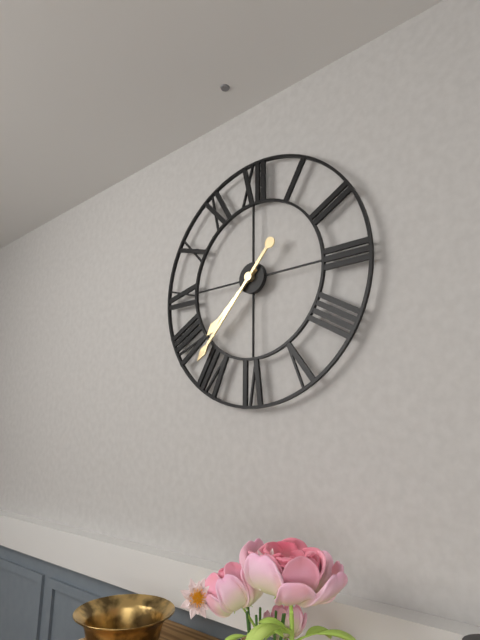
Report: 7:37
